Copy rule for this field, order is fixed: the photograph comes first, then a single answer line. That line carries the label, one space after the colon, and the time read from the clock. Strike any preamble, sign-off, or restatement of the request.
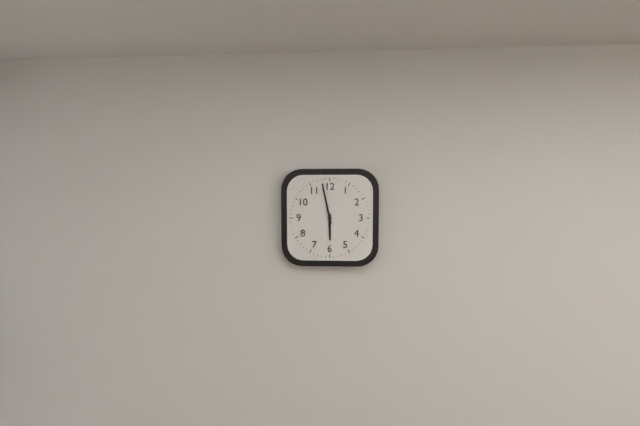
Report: 5:58
